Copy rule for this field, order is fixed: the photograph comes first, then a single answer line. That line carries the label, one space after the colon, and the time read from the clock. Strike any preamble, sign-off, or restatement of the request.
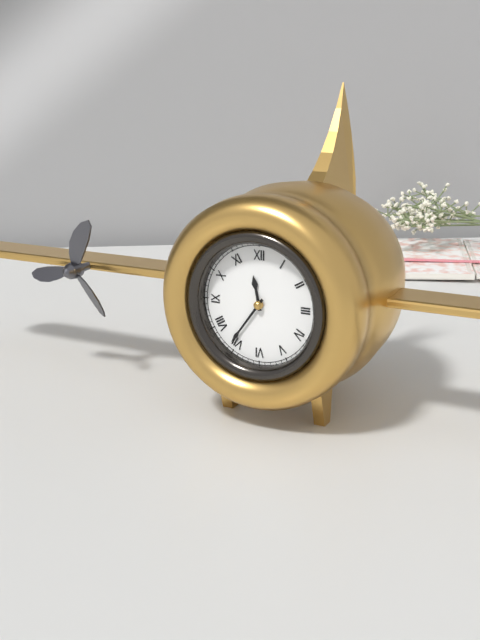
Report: 11:36
